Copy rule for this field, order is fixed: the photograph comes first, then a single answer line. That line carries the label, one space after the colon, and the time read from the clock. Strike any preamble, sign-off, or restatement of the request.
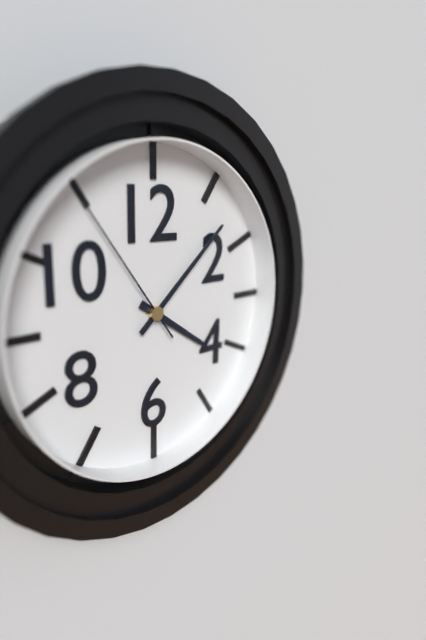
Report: 4:08:54
